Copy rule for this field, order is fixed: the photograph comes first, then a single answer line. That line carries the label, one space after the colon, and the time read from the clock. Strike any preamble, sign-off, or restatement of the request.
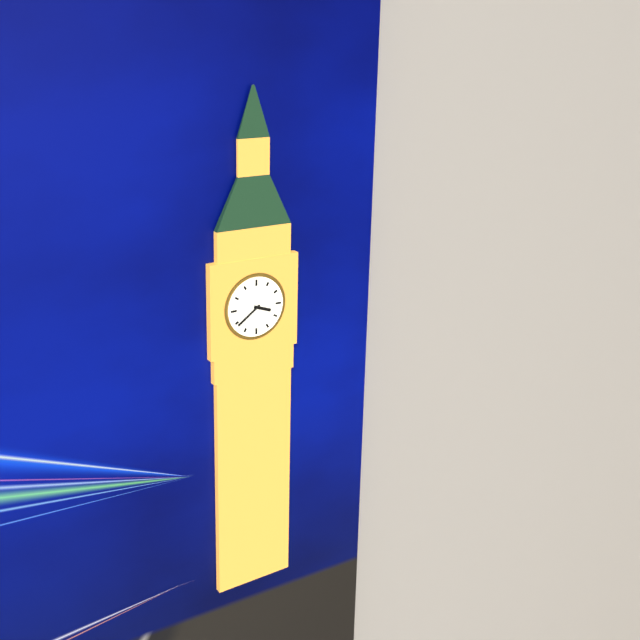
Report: 3:39
